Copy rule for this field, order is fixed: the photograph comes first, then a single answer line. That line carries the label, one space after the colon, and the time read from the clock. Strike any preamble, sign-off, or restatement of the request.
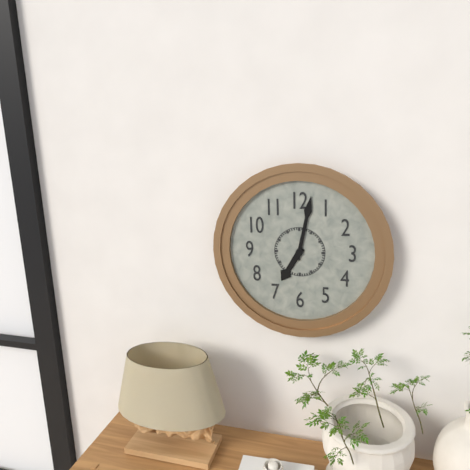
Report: 7:02
